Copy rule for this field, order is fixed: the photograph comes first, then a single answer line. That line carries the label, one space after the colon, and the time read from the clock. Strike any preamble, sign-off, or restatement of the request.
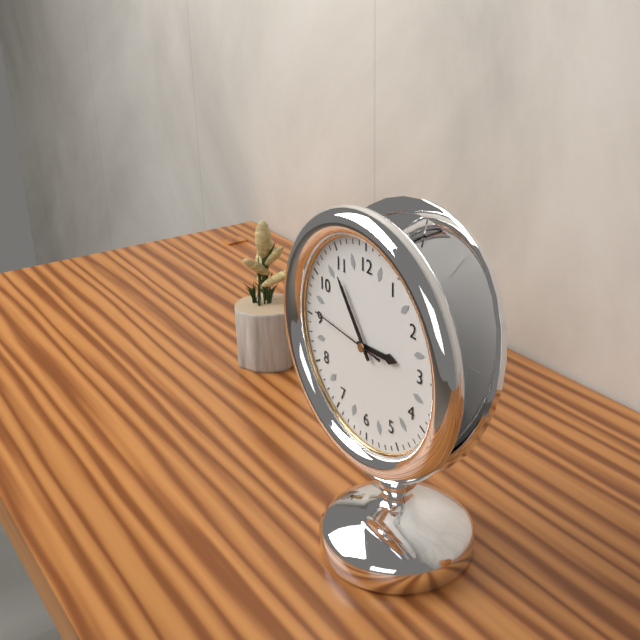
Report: 2:54:46
